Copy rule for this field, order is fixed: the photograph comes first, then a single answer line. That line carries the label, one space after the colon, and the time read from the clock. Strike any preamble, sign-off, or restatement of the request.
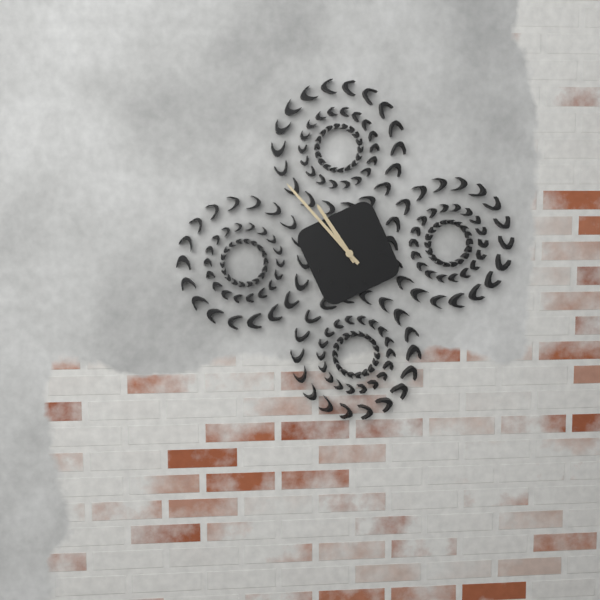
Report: 10:53
